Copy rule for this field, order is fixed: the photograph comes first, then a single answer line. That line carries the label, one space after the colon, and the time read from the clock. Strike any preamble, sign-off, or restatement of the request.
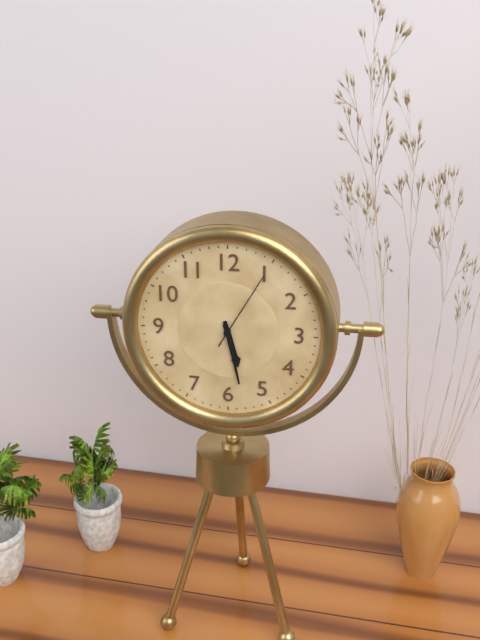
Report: 5:28:05
